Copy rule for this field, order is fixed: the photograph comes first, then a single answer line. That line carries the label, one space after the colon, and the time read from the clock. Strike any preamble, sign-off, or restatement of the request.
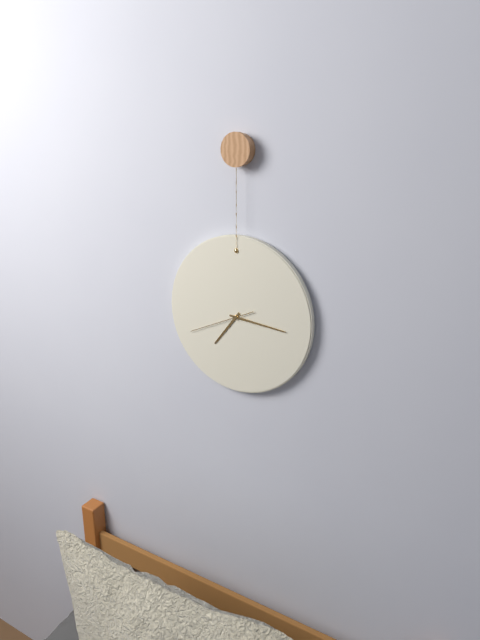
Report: 7:16:41
